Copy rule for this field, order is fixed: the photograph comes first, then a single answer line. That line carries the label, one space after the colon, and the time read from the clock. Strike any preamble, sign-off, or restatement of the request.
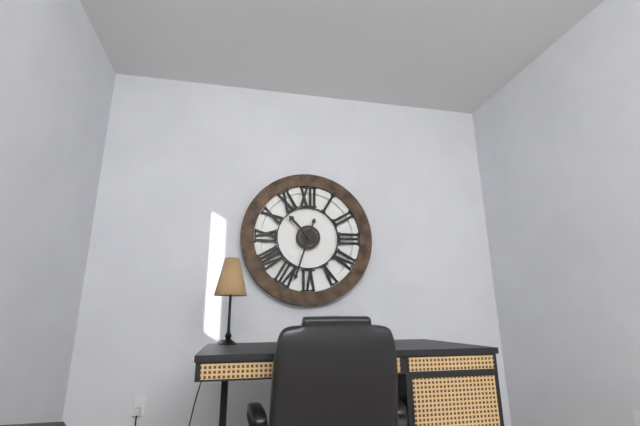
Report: 10:33
